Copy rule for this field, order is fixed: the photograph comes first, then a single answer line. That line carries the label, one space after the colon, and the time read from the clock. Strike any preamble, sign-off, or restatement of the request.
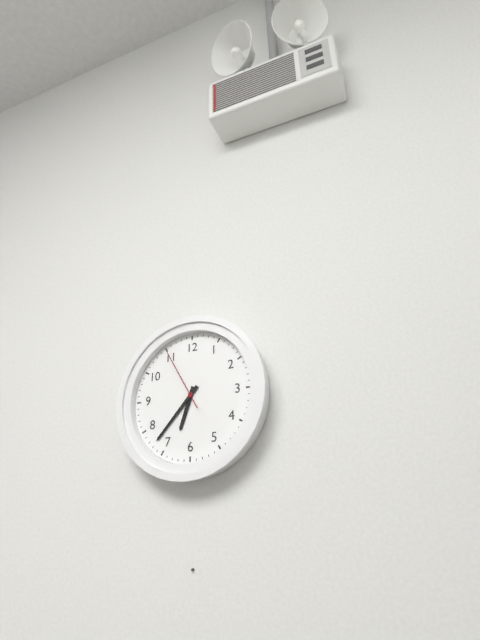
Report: 6:37:55
